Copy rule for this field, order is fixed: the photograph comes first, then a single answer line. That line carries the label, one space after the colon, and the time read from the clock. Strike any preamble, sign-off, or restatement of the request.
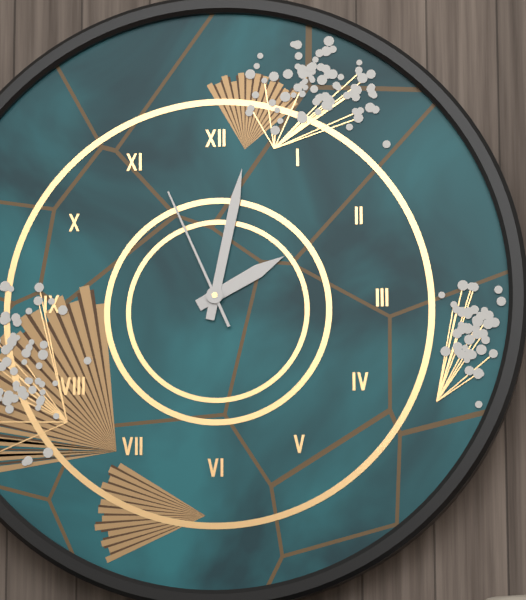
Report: 2:02:56
